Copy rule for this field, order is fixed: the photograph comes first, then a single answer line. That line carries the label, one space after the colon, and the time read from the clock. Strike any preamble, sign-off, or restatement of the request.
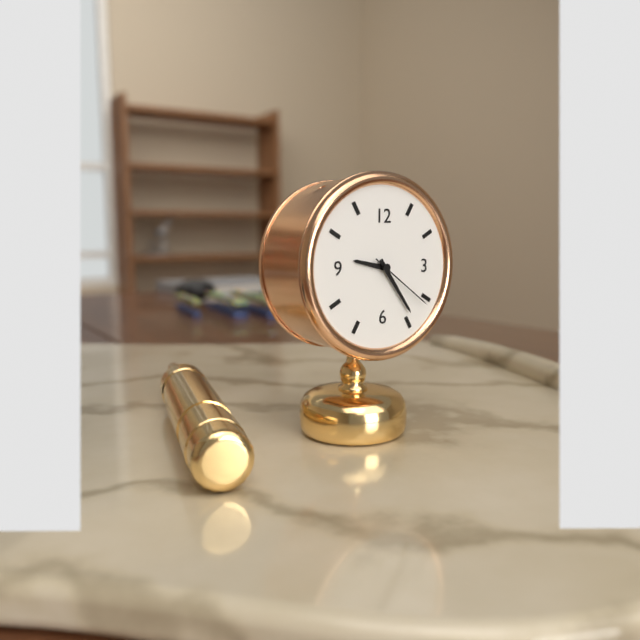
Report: 9:24:21
